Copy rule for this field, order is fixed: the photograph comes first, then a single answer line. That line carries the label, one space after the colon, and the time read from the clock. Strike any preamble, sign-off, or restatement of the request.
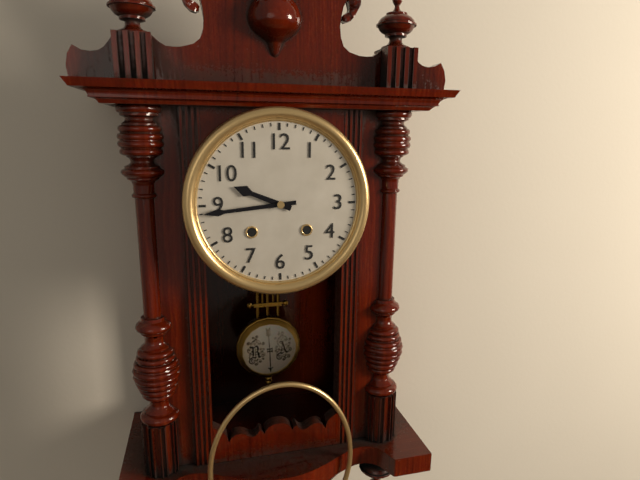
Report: 9:44
